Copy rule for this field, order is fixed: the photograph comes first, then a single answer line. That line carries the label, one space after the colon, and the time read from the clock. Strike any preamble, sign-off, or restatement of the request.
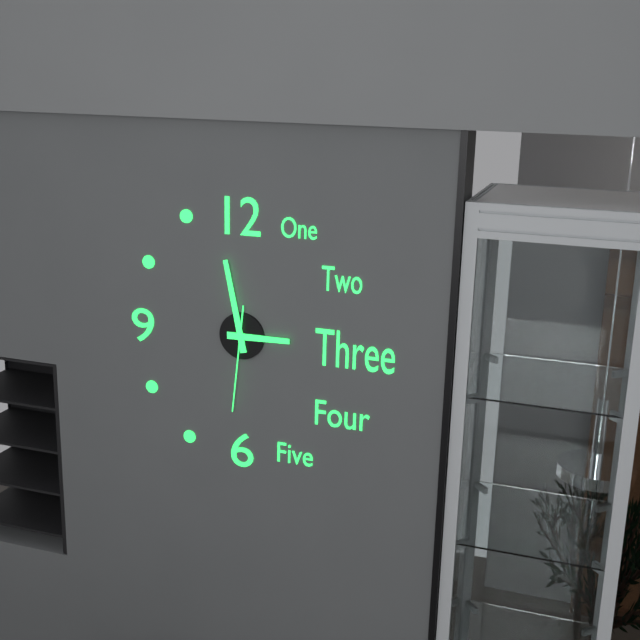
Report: 2:58:31
